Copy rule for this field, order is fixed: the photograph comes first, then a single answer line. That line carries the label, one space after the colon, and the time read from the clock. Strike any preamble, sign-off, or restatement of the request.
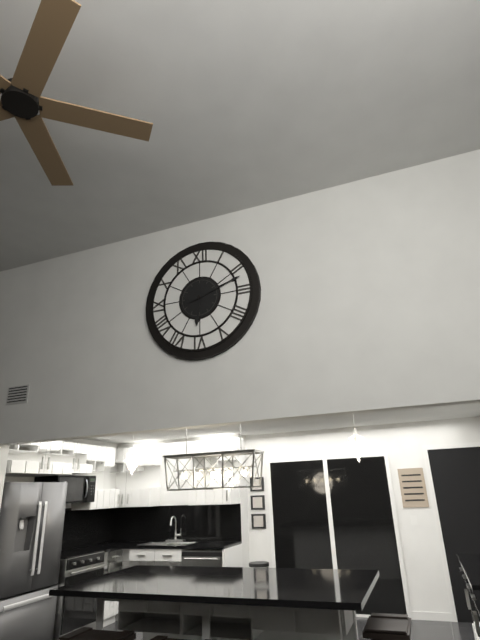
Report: 6:12
